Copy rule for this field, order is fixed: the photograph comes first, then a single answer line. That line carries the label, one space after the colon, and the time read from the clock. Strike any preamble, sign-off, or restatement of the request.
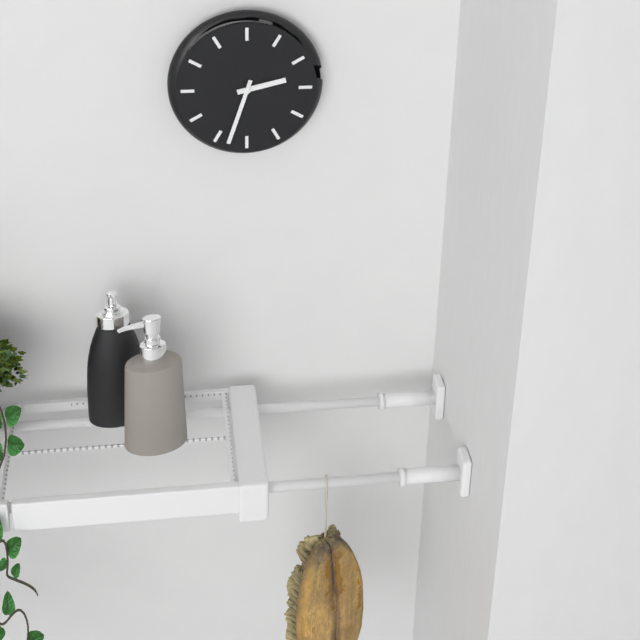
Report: 2:33
